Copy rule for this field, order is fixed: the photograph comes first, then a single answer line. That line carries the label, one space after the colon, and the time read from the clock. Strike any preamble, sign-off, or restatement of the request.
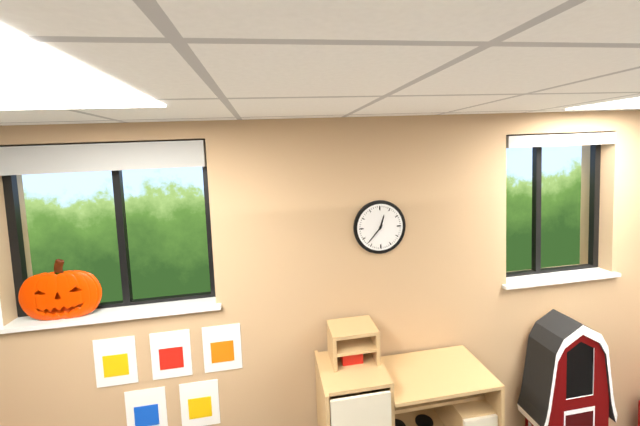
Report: 12:37
